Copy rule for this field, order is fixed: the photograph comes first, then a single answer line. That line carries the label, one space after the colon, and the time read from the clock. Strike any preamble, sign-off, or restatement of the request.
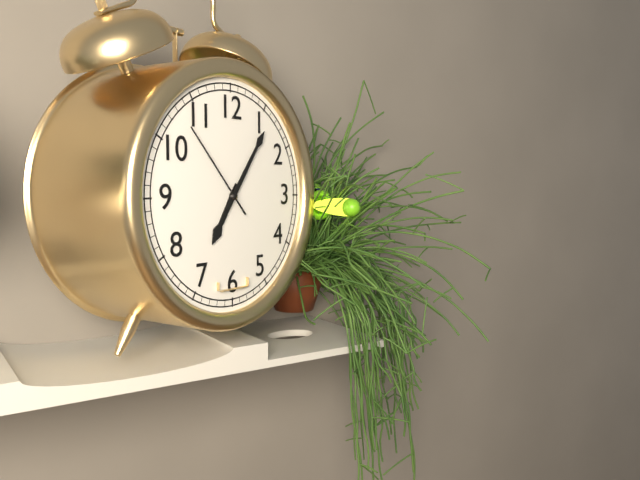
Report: 7:06:53
